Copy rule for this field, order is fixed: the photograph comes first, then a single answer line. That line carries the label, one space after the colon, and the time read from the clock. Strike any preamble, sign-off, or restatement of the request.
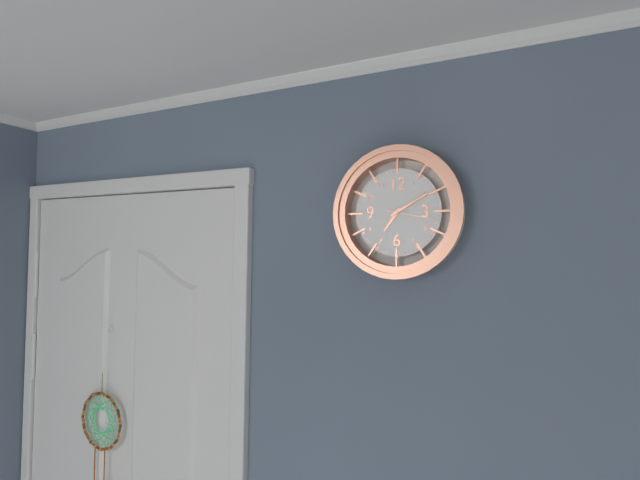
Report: 7:10
